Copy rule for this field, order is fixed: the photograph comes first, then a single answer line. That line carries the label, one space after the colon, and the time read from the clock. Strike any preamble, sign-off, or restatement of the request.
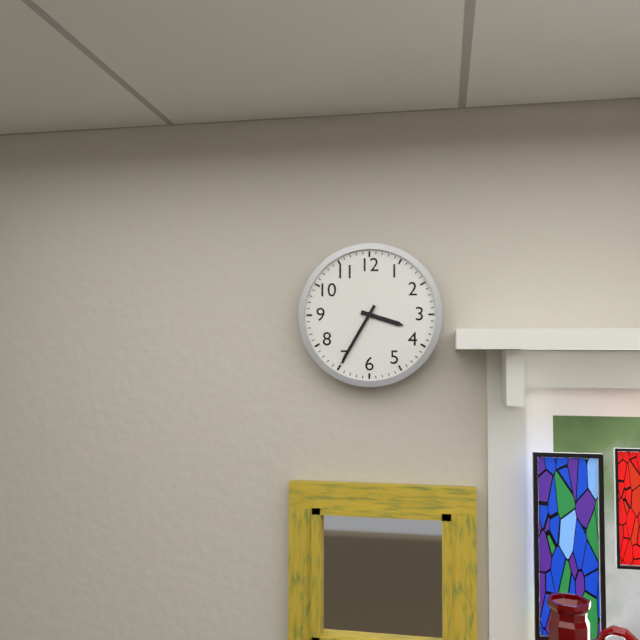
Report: 3:35
